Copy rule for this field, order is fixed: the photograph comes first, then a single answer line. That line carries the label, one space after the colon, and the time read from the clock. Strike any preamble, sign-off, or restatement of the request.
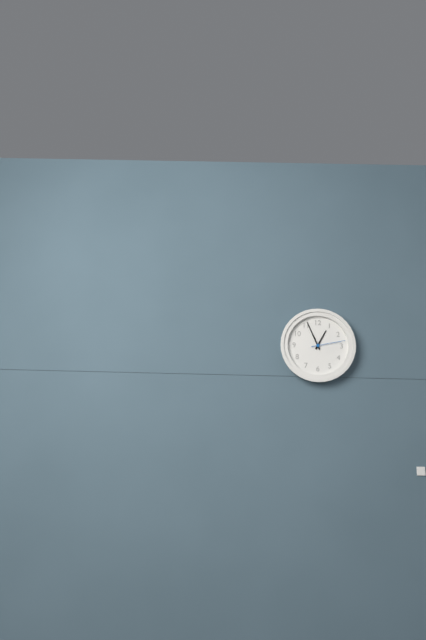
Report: 12:56
